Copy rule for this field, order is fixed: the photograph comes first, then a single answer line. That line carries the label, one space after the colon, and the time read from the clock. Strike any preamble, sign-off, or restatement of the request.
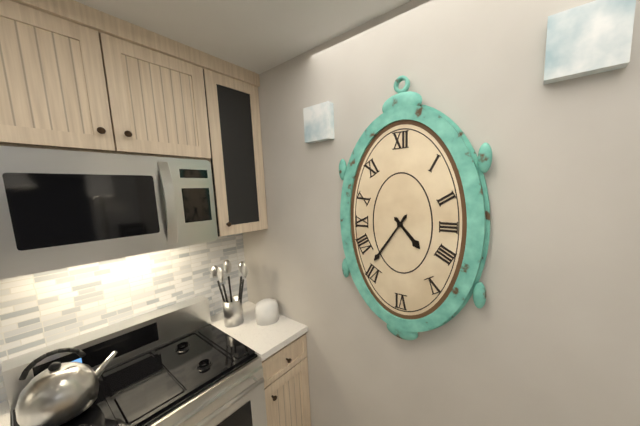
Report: 4:36
